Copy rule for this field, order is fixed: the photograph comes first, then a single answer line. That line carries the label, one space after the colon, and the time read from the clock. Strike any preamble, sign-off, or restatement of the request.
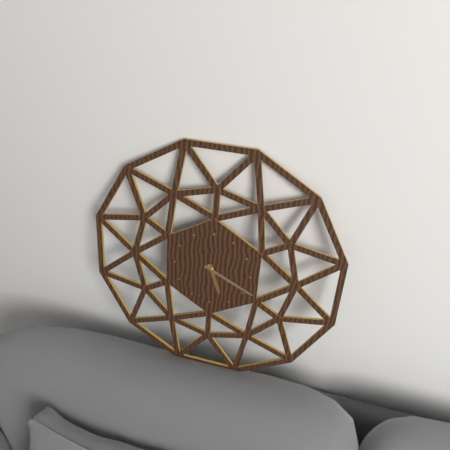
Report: 5:19
